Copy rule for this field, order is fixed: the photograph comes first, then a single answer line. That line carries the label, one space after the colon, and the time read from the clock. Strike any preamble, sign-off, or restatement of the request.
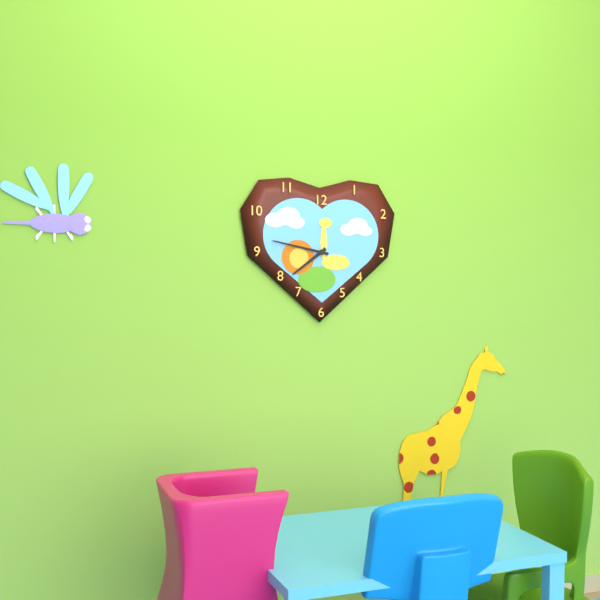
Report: 7:47
